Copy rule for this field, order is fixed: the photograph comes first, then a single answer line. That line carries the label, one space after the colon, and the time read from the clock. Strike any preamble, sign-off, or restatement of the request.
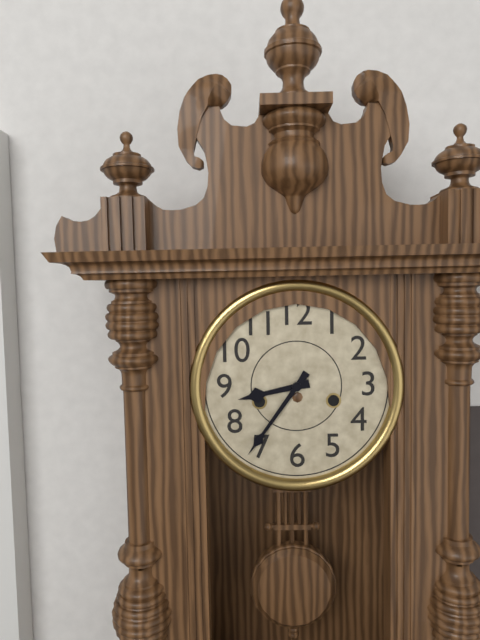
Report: 8:36
